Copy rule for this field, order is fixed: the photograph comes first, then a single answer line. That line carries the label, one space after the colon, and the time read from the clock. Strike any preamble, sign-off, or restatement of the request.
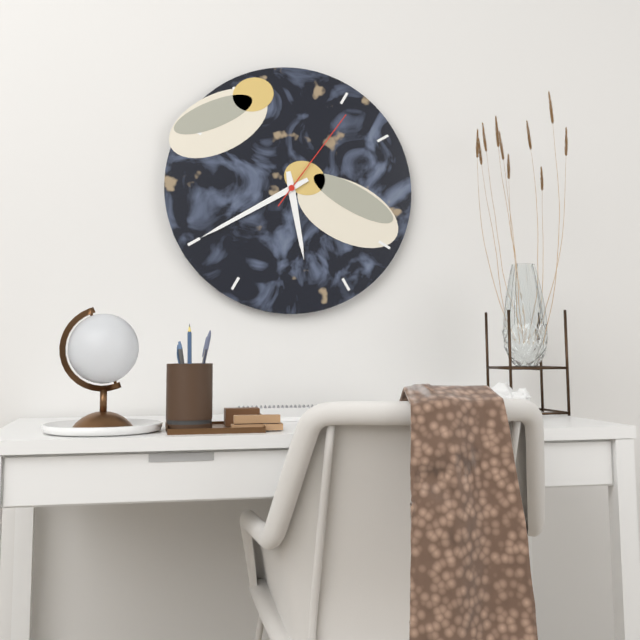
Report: 5:40:06
